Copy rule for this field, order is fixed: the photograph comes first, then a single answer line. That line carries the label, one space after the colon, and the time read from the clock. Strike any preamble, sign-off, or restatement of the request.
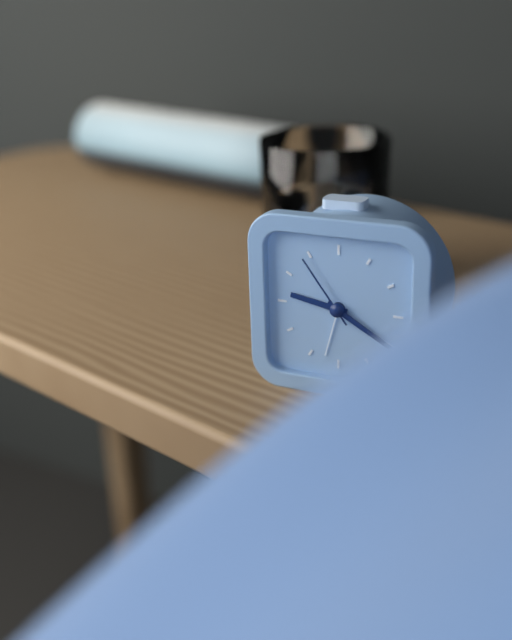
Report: 9:20:54
